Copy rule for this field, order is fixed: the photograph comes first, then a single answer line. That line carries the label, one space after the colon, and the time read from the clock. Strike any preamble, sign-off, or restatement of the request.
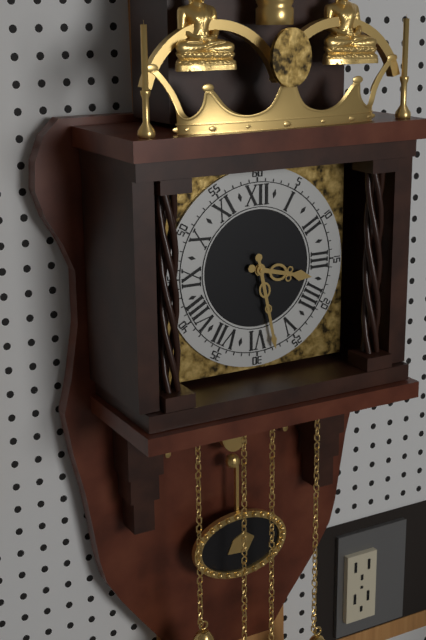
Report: 3:28
